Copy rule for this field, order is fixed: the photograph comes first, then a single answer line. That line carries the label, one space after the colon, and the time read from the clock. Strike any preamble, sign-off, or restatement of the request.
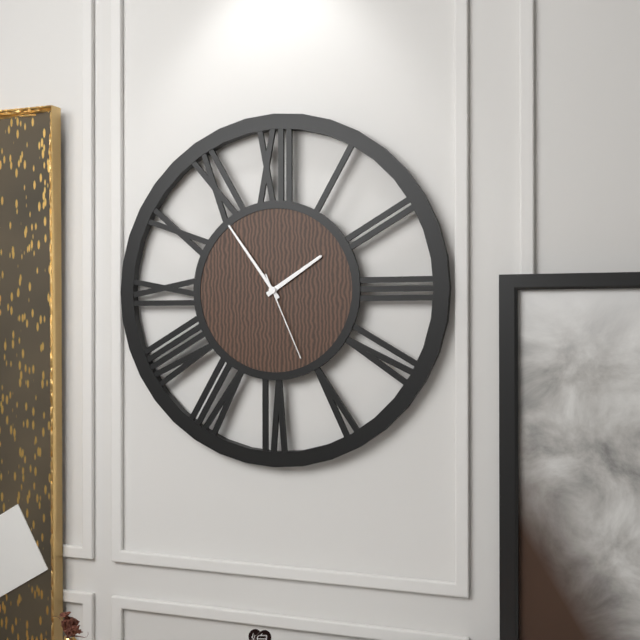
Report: 1:54:26
